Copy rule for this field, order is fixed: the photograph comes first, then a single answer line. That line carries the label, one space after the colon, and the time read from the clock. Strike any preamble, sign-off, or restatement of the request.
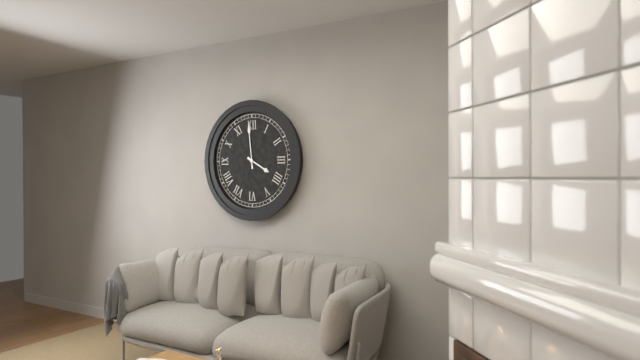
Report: 3:59
